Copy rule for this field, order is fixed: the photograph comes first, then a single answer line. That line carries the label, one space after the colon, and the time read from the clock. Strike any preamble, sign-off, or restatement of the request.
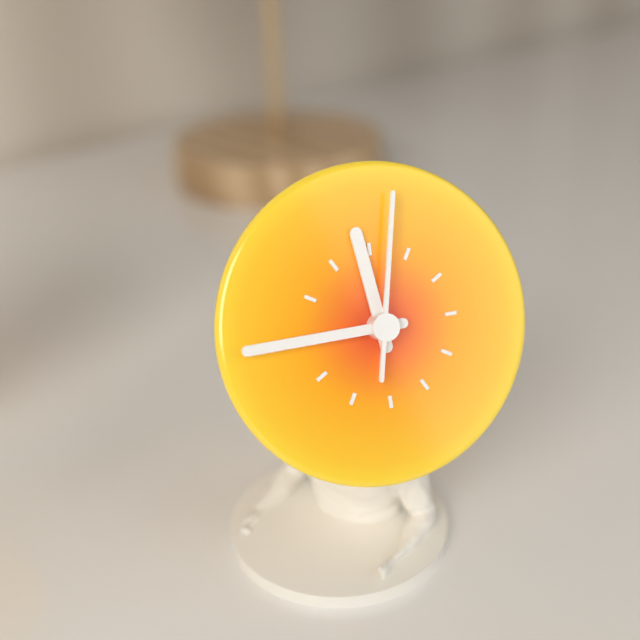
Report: 11:45:02
